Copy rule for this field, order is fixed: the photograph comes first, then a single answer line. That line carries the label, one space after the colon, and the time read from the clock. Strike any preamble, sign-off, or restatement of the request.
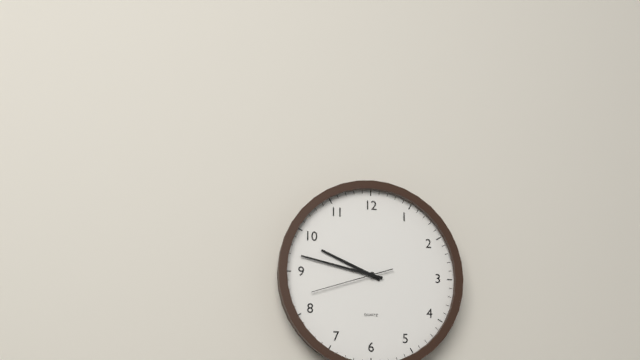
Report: 9:47:42
